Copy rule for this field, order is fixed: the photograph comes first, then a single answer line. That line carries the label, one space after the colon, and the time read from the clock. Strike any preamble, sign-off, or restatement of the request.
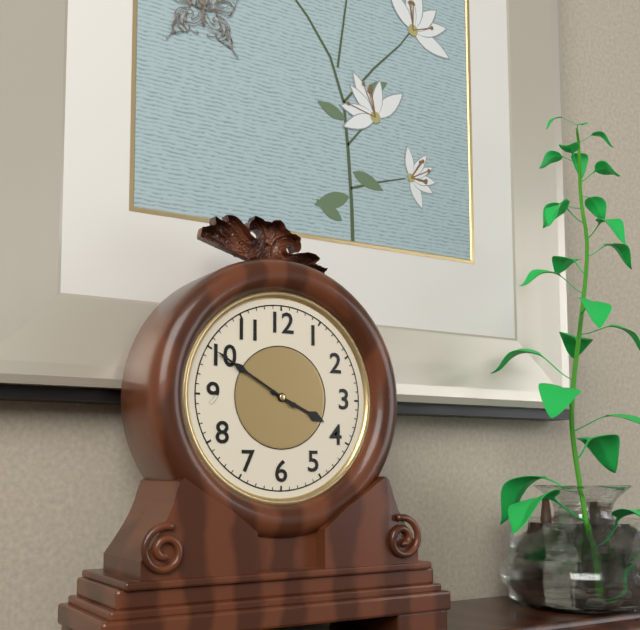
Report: 3:50
